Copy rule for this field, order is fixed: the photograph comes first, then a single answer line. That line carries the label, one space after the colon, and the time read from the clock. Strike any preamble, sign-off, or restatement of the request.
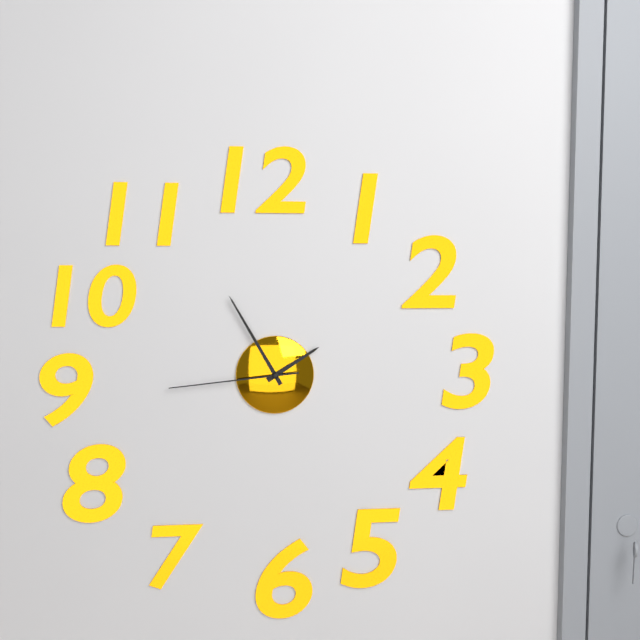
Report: 1:55:44
